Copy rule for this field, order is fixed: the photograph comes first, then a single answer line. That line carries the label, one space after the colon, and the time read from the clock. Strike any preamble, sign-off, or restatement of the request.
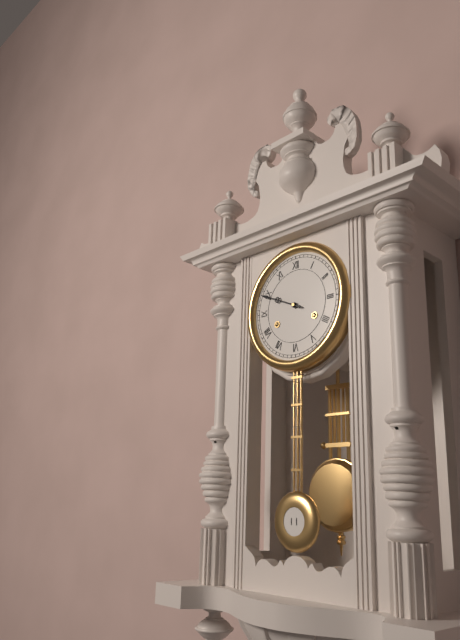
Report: 9:49
